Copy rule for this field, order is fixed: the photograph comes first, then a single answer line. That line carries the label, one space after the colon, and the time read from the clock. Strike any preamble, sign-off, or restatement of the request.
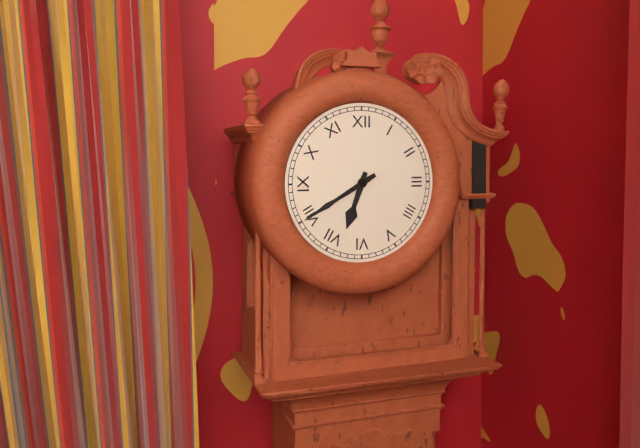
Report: 6:40
